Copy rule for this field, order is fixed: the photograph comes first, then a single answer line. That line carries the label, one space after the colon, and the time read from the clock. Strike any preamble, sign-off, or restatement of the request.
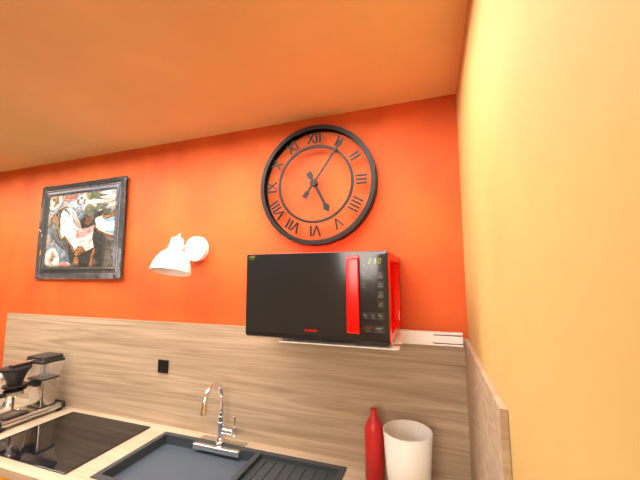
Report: 5:06
